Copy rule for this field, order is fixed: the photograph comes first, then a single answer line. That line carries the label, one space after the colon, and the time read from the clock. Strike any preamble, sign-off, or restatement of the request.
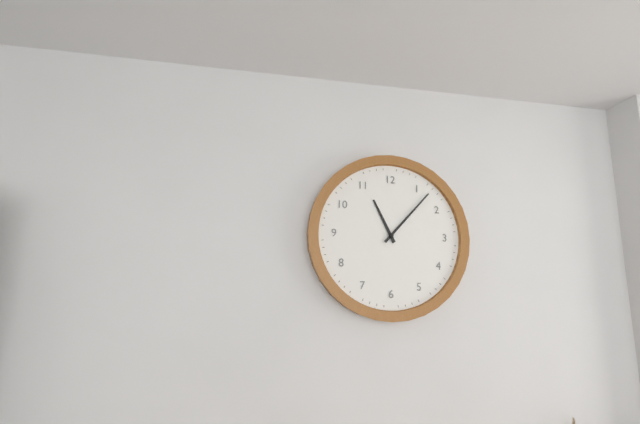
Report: 11:07
